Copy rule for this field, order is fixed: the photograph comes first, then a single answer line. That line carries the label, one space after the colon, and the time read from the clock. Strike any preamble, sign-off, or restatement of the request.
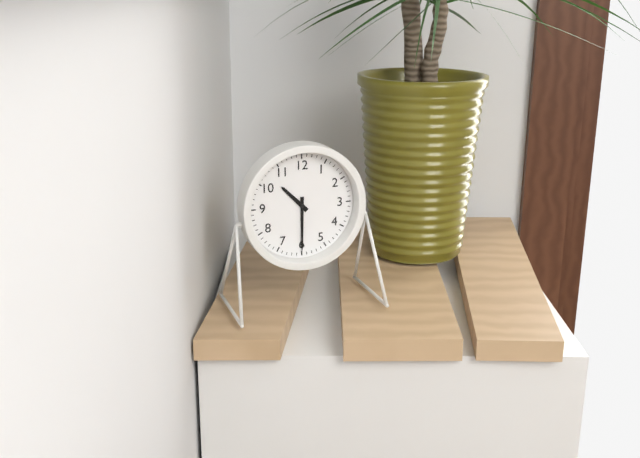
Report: 10:30
